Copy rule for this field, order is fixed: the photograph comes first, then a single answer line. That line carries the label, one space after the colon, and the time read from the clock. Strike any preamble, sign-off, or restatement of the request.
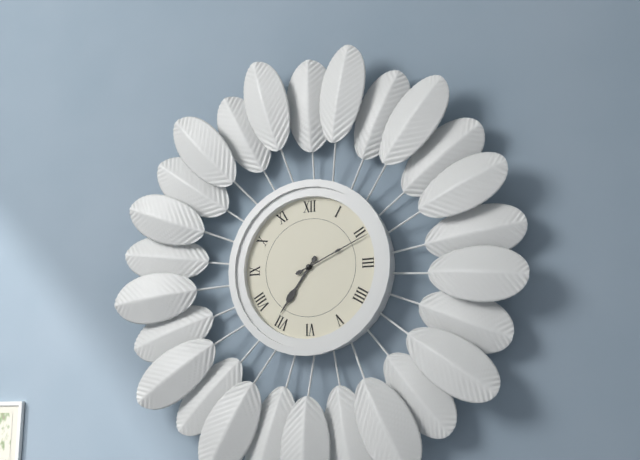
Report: 7:11
